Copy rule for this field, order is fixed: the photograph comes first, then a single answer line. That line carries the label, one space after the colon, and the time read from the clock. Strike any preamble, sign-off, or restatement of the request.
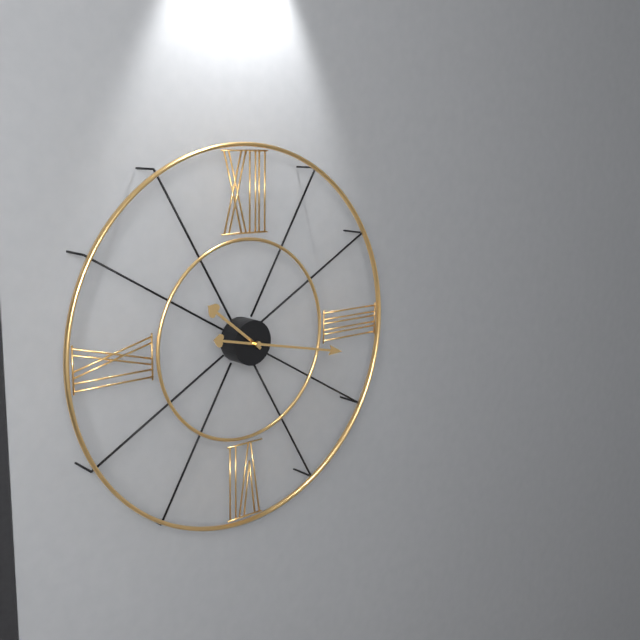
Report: 10:17
